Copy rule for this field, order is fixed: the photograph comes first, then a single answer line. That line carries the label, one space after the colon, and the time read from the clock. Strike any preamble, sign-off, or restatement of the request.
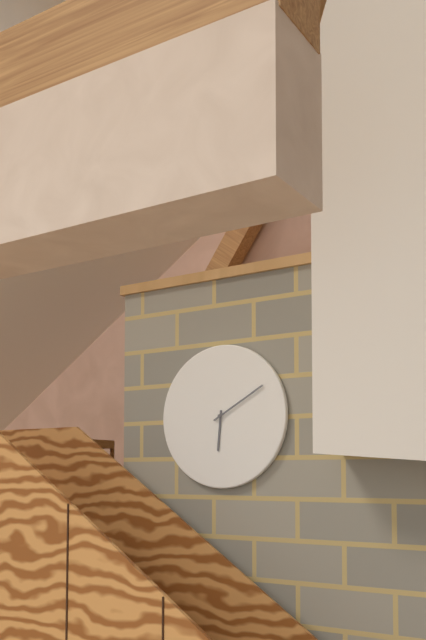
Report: 6:10
